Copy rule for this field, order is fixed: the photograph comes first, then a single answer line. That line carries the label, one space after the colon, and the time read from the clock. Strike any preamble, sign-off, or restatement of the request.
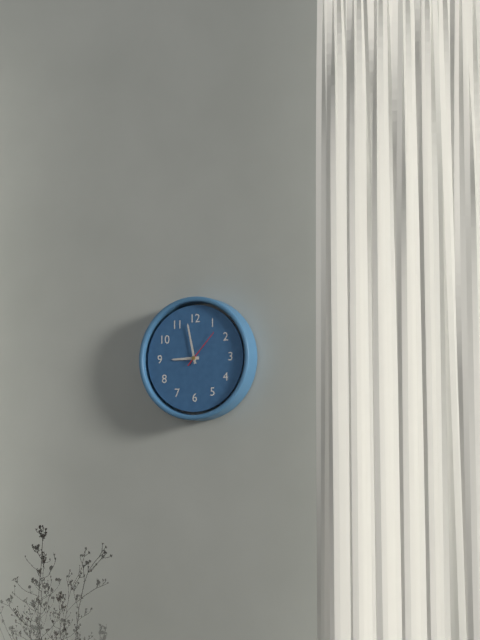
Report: 8:58
